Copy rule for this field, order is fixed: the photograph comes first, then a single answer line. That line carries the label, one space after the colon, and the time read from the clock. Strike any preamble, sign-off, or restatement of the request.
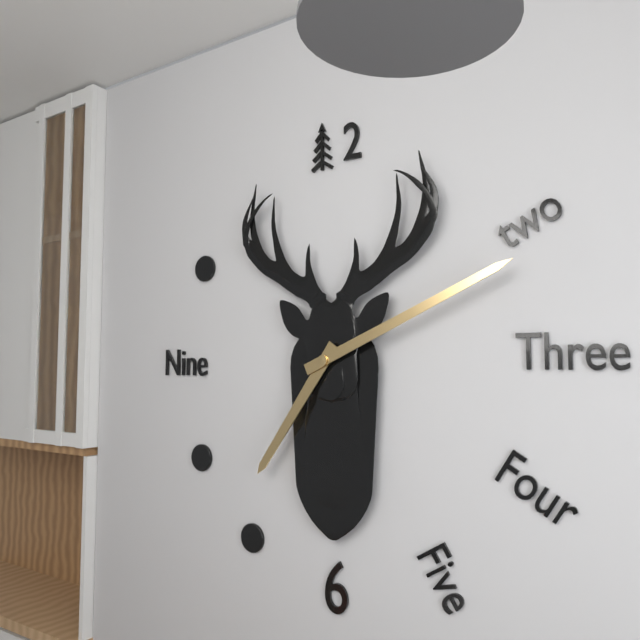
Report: 7:11
